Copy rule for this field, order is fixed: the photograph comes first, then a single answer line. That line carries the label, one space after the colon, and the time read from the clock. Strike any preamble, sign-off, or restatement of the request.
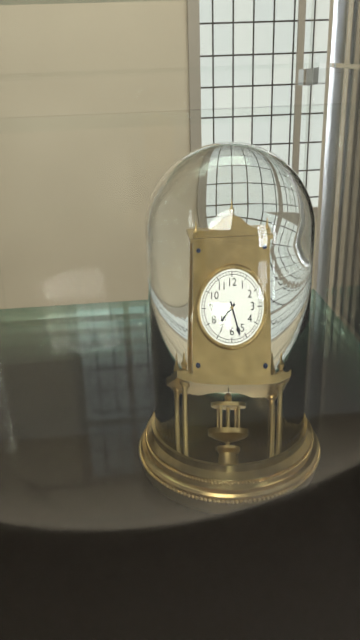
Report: 7:27
